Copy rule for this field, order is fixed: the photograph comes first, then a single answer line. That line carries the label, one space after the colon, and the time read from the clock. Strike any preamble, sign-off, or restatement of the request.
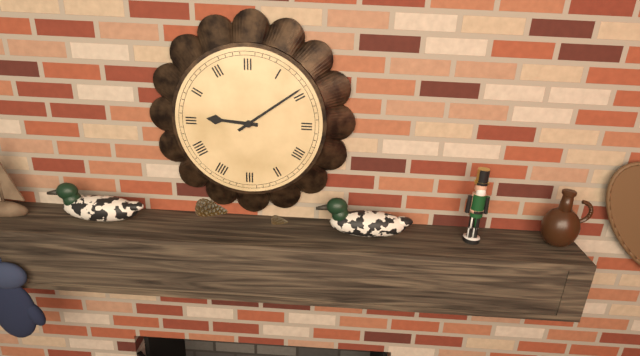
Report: 9:09
